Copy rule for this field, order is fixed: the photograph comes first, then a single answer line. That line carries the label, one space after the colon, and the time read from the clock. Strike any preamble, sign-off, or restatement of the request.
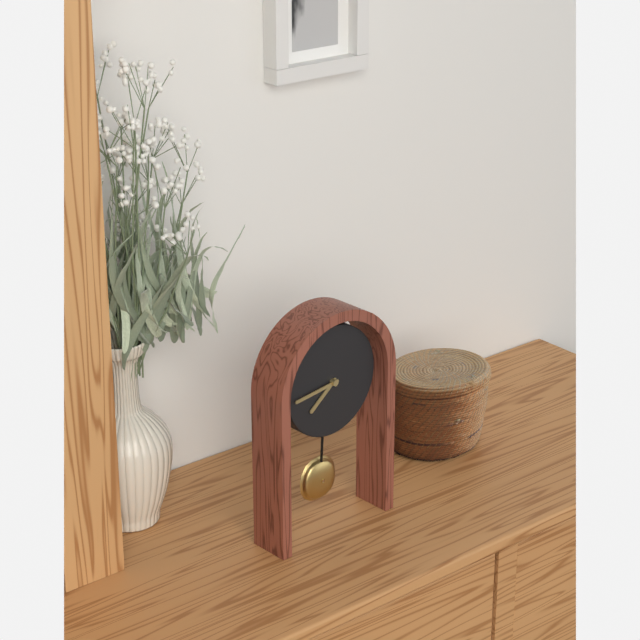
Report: 7:44
